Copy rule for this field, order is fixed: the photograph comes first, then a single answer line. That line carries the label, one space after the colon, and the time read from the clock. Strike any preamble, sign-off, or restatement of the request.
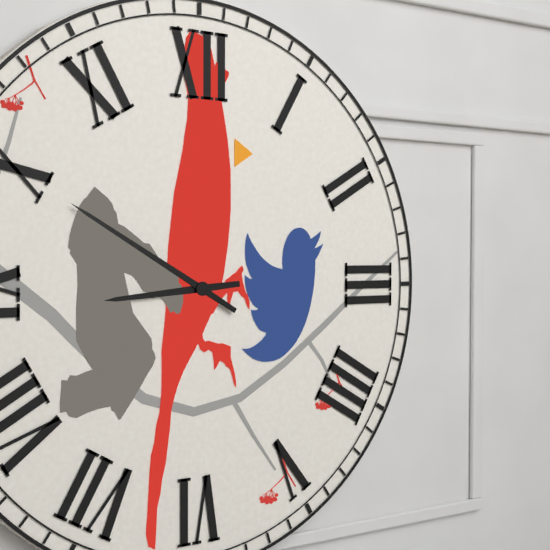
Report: 8:50
